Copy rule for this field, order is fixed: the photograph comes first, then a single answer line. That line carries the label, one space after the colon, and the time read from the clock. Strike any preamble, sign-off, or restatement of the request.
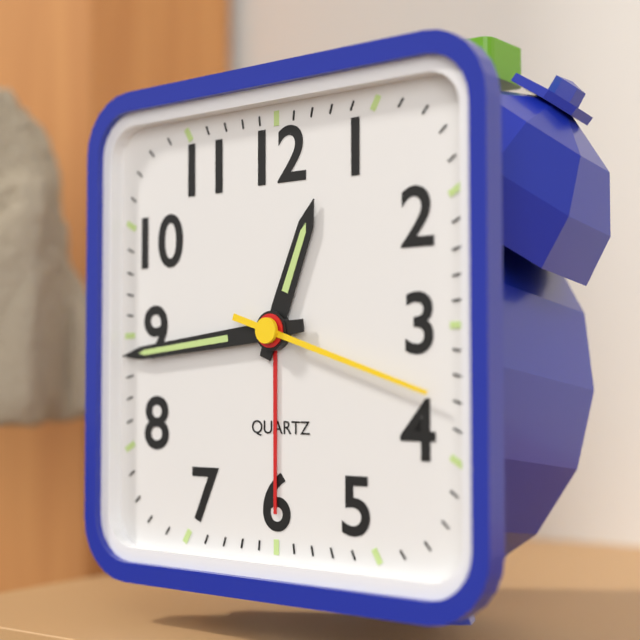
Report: 12:44:18
